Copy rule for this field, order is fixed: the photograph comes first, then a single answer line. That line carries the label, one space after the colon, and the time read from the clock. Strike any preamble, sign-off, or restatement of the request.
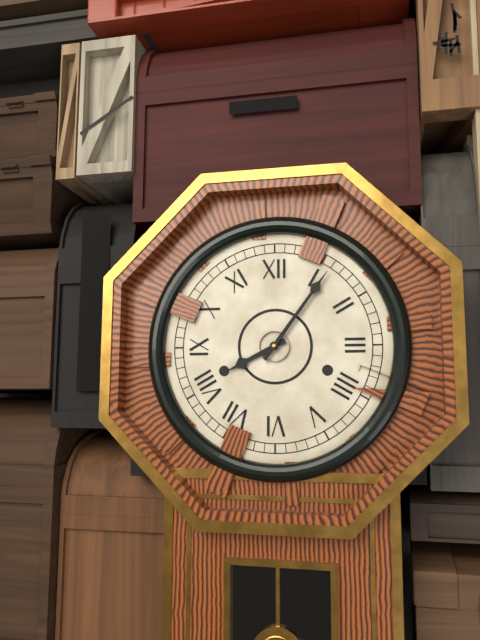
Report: 8:06
